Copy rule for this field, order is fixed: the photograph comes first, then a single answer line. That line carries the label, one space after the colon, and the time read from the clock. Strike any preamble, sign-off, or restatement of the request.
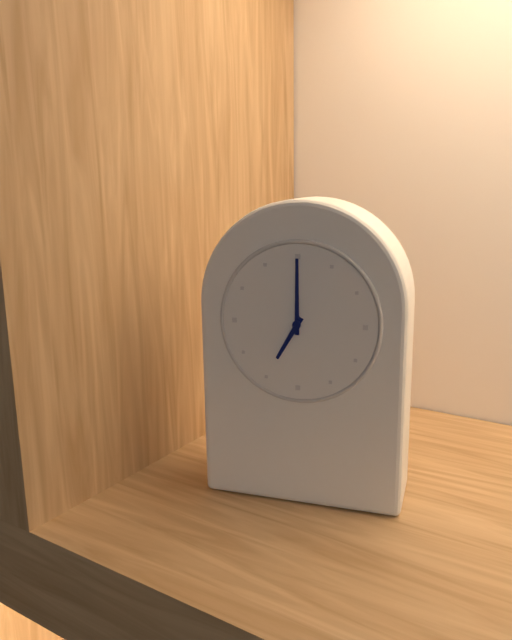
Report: 7:00
